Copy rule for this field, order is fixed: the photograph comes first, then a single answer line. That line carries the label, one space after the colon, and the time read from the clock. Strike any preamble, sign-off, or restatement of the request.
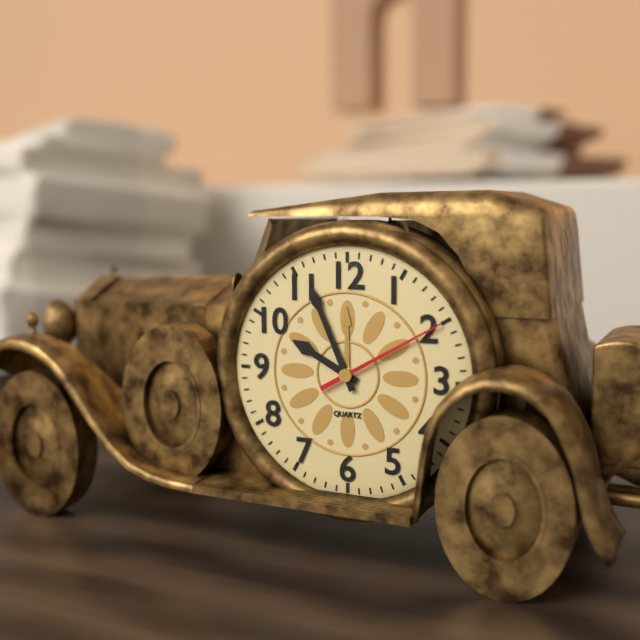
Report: 9:56:10
